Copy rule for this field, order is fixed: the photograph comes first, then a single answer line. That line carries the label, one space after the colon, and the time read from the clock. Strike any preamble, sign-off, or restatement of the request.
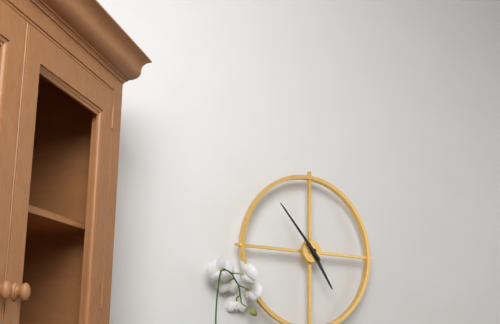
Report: 4:53
